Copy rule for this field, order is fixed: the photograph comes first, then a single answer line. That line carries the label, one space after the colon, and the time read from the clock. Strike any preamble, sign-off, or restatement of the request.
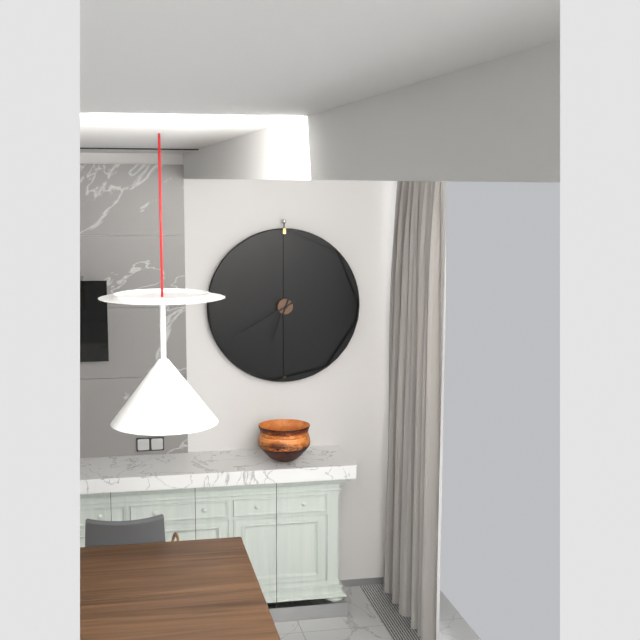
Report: 6:40
